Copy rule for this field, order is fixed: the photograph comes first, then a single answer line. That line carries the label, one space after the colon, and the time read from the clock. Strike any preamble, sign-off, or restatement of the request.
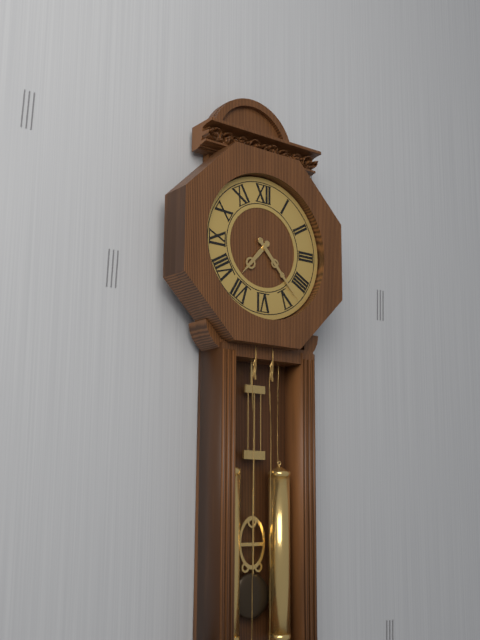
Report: 7:23
